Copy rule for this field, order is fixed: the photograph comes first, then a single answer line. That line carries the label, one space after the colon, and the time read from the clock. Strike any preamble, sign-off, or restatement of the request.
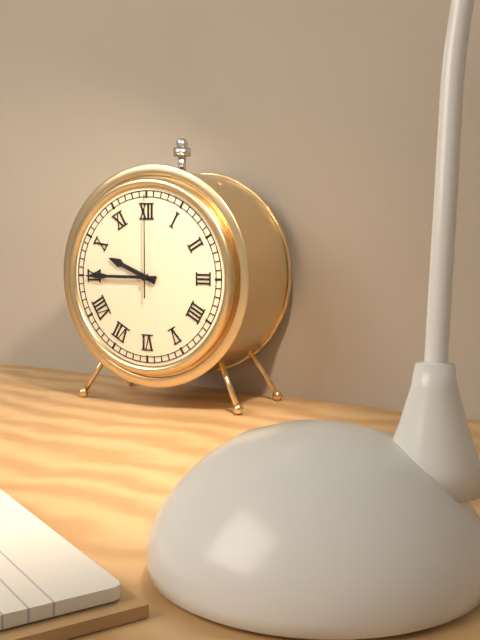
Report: 9:45:00
